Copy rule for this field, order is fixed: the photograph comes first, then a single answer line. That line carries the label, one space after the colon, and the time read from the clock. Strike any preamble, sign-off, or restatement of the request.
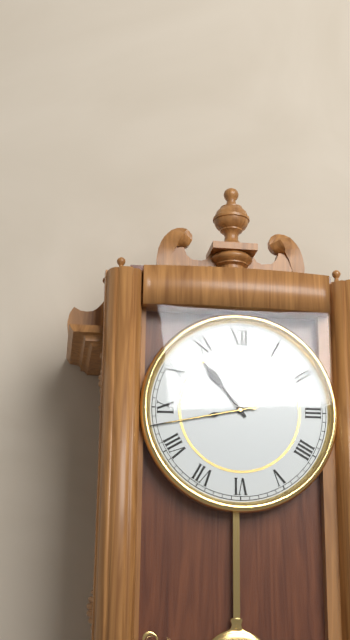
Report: 10:43:43
